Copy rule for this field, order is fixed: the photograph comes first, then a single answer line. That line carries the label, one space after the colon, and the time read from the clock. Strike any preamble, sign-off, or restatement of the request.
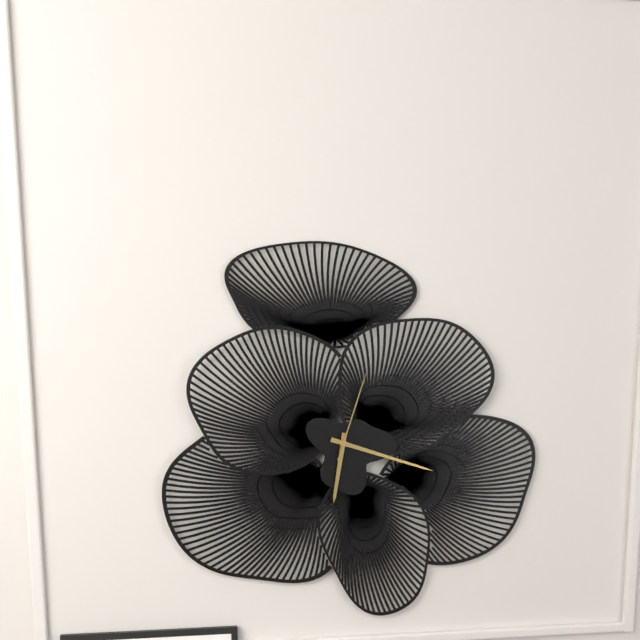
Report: 6:18:03
